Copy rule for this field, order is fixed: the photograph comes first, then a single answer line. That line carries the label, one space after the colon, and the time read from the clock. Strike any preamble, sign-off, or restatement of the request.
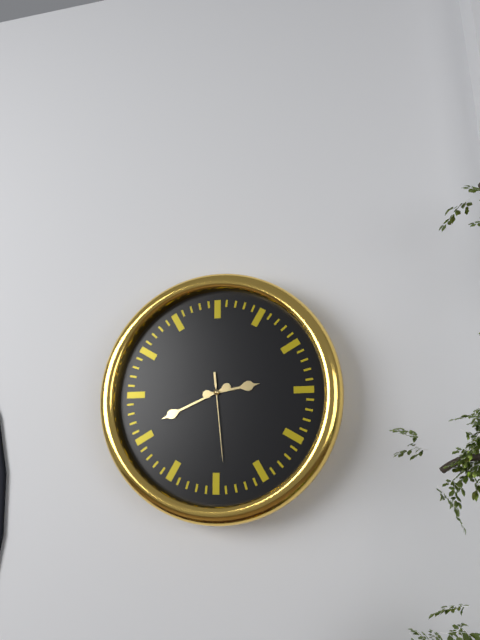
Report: 2:41:29
